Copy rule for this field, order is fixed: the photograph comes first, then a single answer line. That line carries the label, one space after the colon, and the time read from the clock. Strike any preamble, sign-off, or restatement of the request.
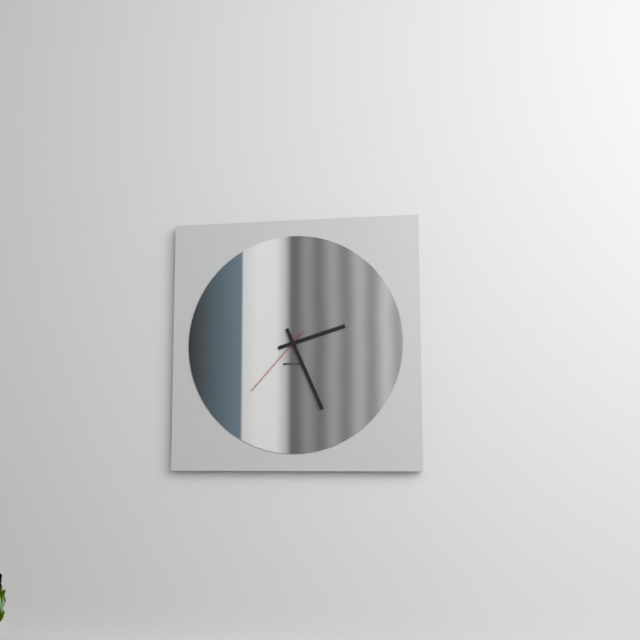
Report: 2:26:37
